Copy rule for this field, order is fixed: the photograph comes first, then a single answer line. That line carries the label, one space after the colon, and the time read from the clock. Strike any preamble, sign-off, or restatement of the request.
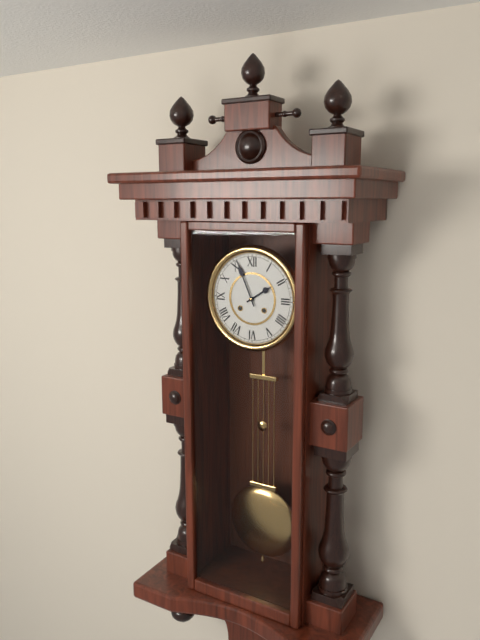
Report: 1:56
